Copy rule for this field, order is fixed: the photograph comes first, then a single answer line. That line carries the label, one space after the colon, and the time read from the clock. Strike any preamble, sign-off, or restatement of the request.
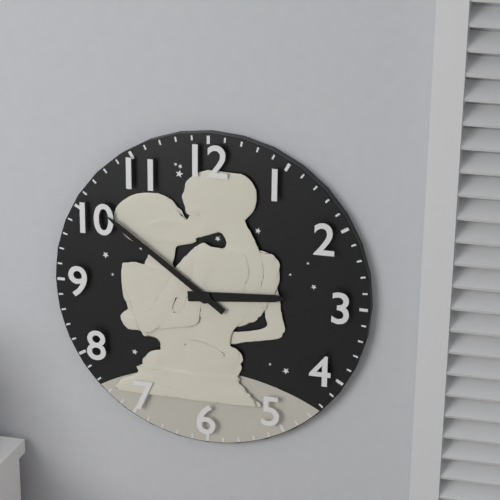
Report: 2:51
